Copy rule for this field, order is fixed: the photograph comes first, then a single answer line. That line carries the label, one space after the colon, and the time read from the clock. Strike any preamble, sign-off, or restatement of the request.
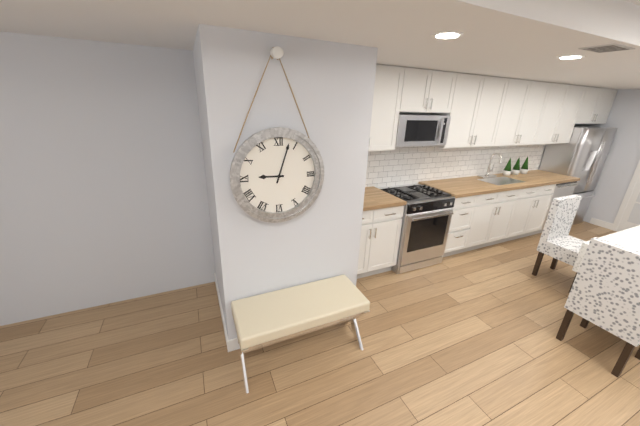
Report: 9:03
